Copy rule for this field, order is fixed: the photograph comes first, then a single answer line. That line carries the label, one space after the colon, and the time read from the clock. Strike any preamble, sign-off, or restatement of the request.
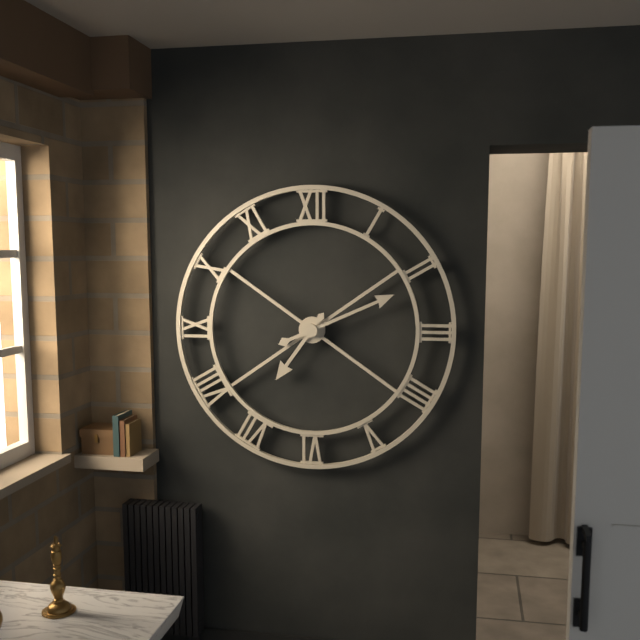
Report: 7:11
